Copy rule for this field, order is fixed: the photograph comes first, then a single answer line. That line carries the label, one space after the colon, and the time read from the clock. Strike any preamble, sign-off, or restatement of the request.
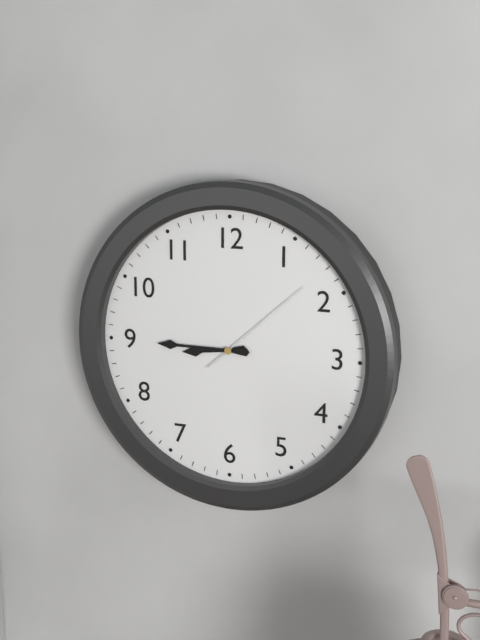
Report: 8:45:08
